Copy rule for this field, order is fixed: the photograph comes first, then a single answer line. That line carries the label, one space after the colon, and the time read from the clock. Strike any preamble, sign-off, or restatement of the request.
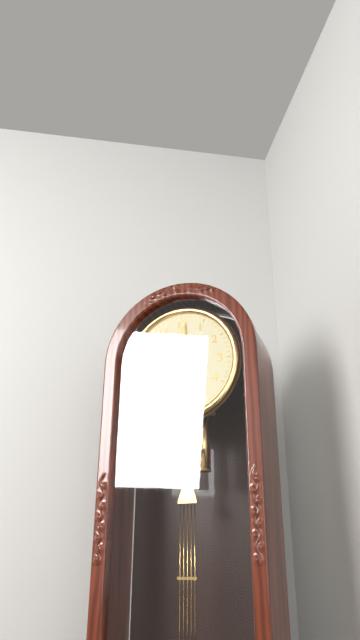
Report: 5:01
